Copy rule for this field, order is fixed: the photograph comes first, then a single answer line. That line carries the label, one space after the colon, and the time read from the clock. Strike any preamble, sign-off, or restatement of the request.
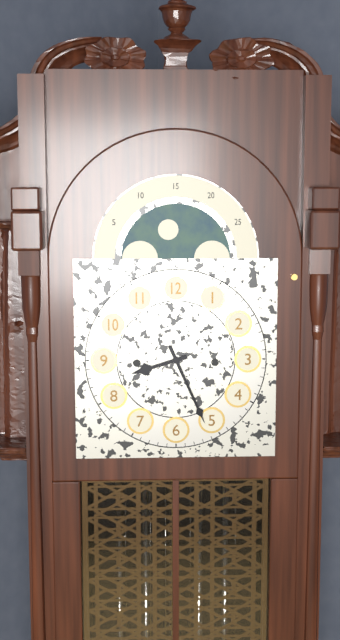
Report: 8:26
